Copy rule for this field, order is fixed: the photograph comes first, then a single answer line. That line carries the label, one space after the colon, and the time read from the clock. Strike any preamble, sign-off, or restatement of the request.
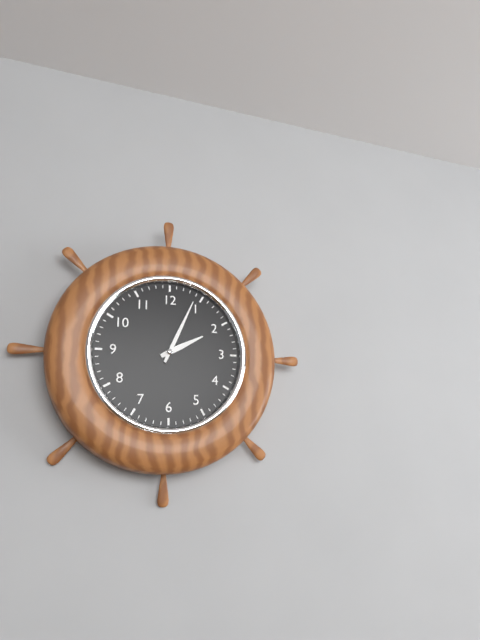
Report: 2:04
